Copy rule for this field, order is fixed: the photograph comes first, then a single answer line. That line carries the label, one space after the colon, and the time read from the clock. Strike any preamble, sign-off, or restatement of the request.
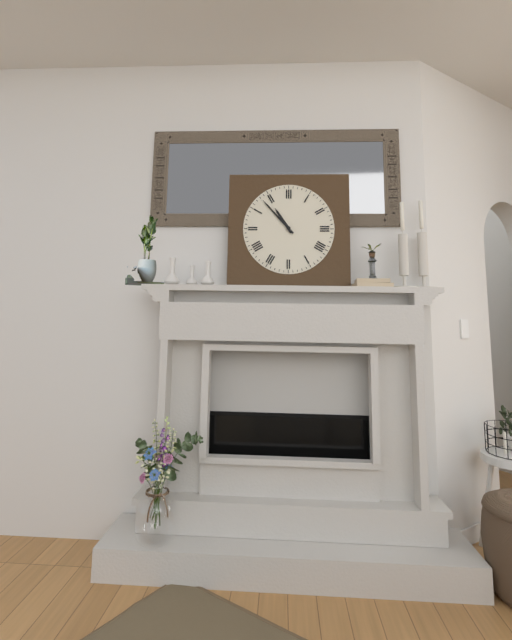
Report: 10:53
